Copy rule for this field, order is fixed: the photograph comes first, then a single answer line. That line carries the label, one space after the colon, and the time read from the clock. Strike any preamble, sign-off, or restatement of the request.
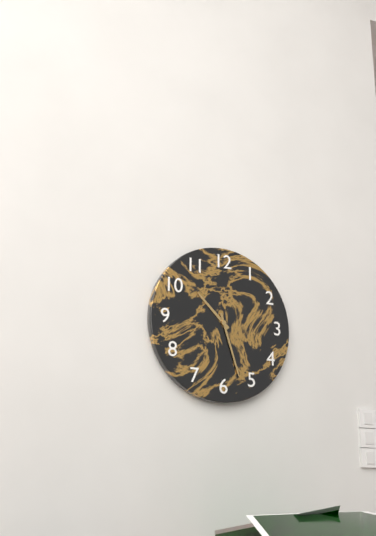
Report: 10:27
